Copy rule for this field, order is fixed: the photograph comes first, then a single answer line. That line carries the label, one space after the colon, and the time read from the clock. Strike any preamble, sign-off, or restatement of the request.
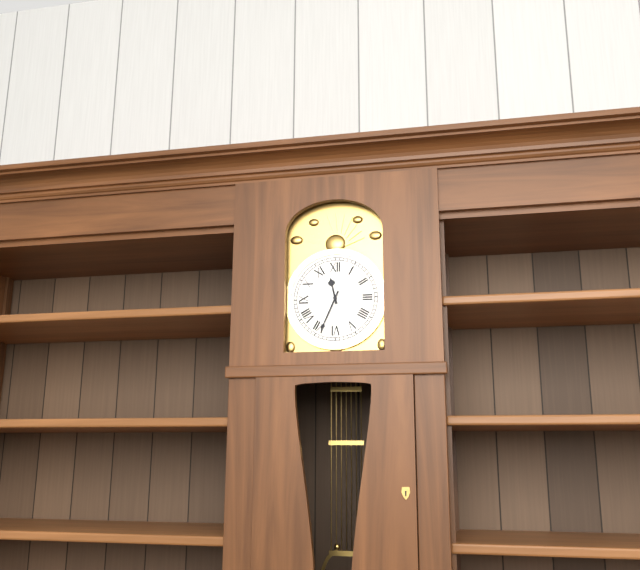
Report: 11:34
